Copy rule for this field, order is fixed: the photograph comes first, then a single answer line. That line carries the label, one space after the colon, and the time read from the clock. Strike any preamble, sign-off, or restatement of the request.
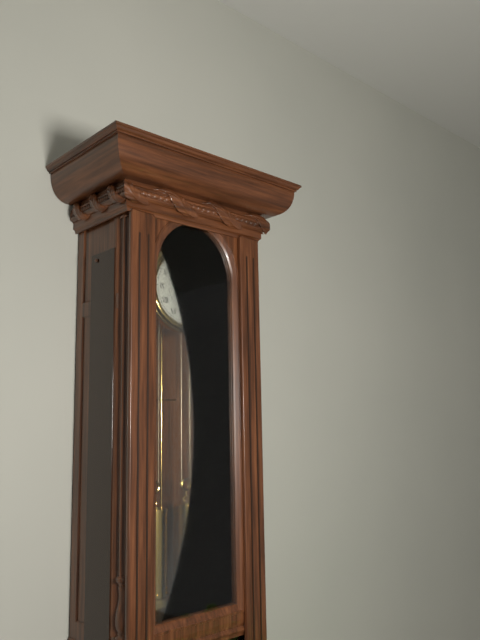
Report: 12:11
